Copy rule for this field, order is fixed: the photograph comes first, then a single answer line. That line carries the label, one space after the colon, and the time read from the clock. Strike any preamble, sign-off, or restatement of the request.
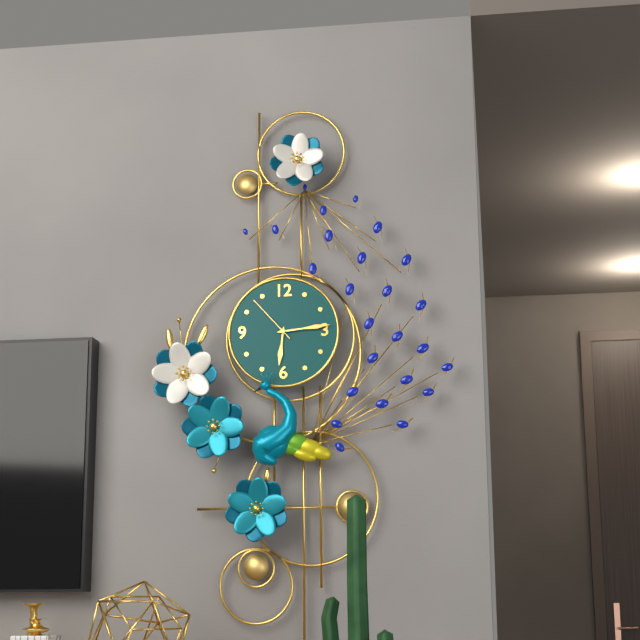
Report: 6:14:53
